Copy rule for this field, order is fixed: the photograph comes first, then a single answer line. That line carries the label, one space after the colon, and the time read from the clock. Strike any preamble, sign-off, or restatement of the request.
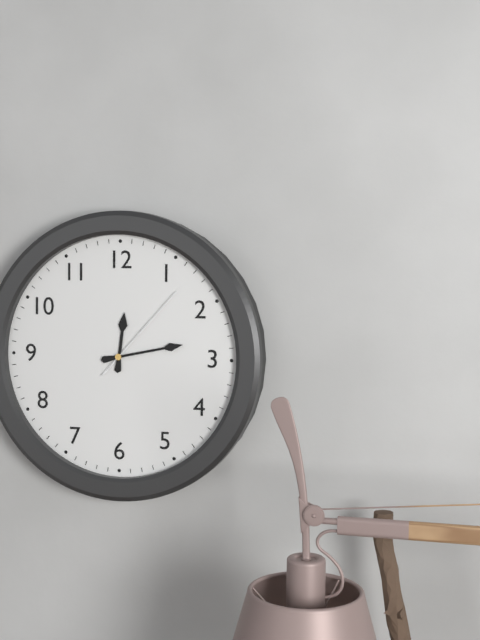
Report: 12:13:07
